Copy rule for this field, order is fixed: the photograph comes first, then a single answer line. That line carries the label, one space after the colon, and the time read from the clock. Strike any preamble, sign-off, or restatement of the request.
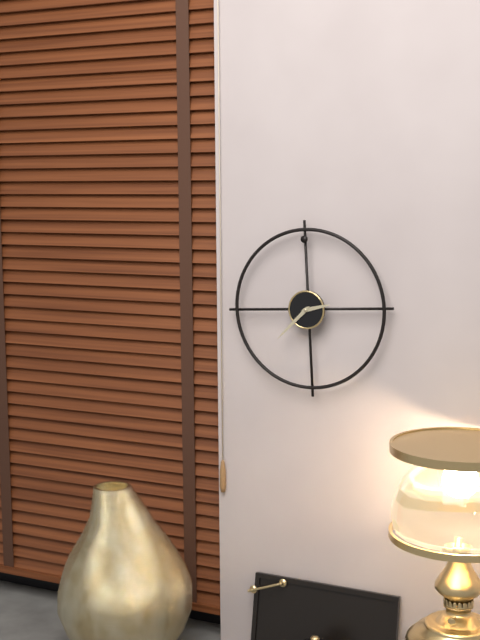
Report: 2:38
